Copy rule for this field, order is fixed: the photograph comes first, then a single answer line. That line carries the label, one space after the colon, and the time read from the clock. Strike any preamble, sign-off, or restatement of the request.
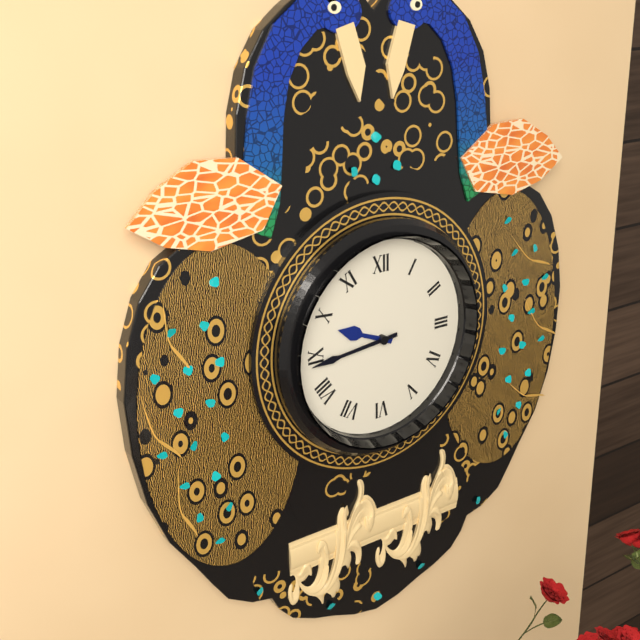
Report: 9:44
